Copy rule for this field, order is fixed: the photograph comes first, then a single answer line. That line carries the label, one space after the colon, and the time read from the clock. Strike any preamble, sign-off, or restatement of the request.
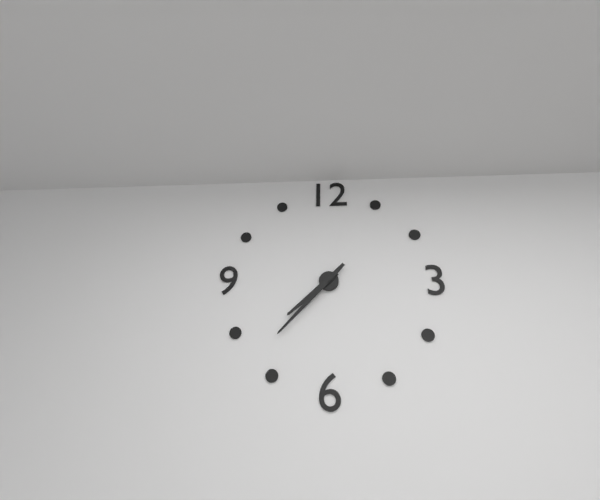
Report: 7:37
